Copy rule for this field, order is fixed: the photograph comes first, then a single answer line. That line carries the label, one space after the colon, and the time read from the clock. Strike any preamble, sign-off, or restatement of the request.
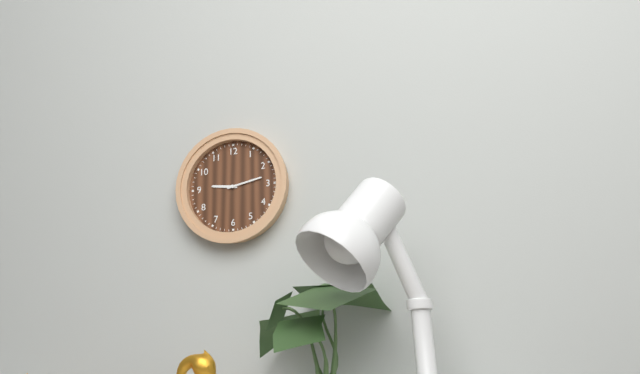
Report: 9:13
